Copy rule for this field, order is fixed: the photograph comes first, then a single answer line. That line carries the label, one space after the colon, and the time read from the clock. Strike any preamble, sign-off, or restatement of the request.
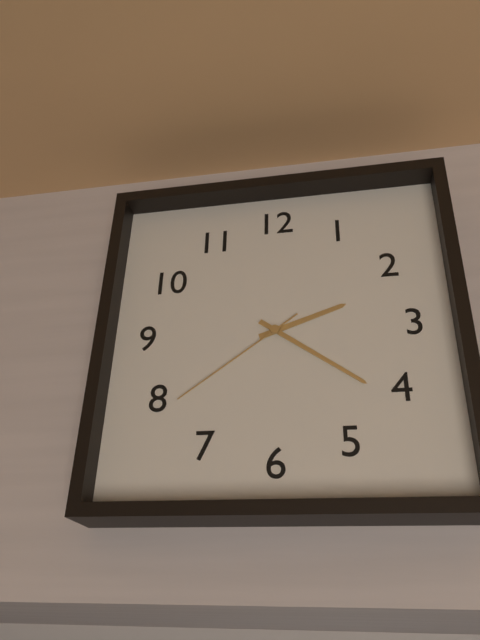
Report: 2:21:39
